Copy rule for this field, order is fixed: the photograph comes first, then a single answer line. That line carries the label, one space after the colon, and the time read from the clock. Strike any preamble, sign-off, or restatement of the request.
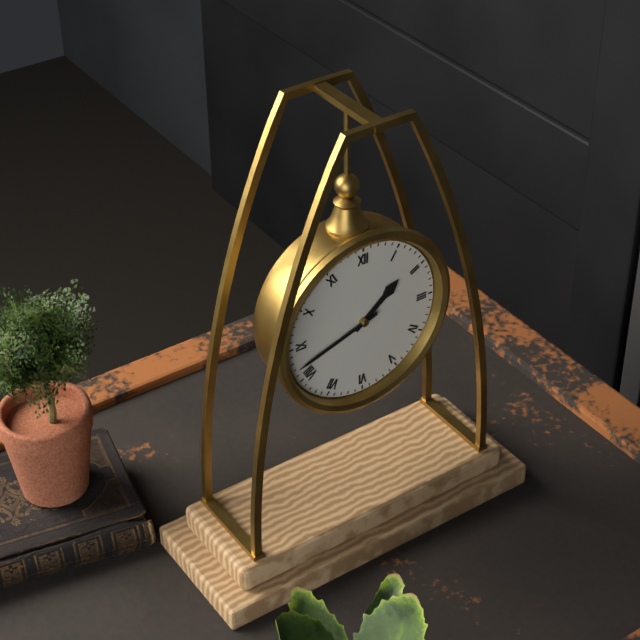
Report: 1:42
